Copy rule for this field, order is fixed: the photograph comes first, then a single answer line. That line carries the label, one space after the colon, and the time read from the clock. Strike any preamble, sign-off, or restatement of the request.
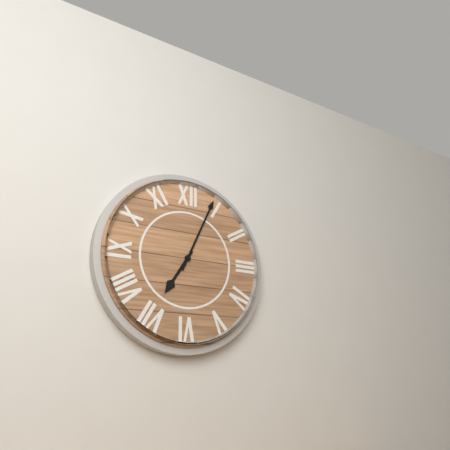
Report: 7:04
